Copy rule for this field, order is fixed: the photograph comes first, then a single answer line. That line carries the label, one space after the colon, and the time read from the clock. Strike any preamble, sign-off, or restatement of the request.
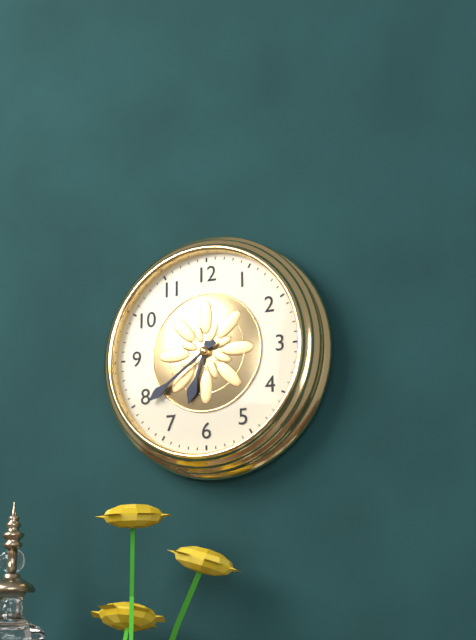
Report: 6:39
